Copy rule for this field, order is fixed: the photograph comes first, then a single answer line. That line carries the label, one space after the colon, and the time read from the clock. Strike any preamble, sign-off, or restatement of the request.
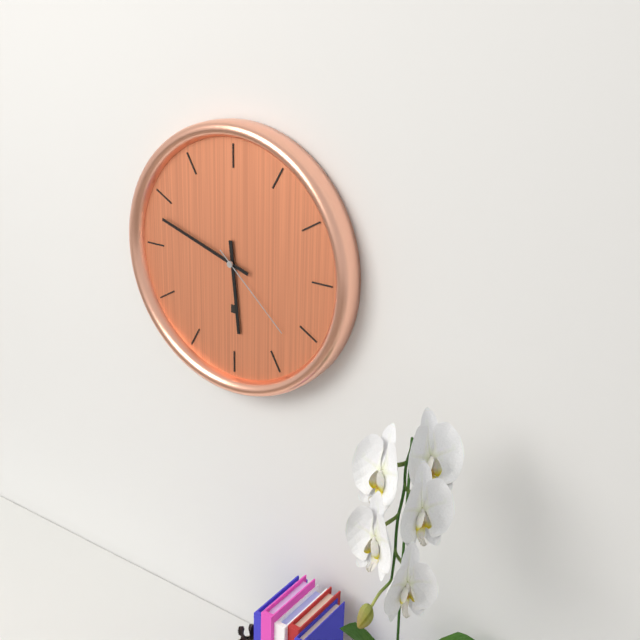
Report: 5:48:22
